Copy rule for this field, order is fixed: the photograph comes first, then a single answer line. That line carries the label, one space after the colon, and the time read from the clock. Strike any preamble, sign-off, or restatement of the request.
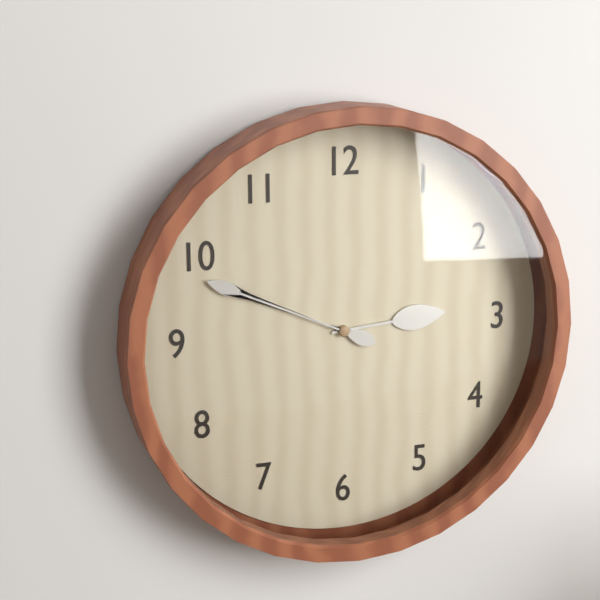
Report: 2:49
